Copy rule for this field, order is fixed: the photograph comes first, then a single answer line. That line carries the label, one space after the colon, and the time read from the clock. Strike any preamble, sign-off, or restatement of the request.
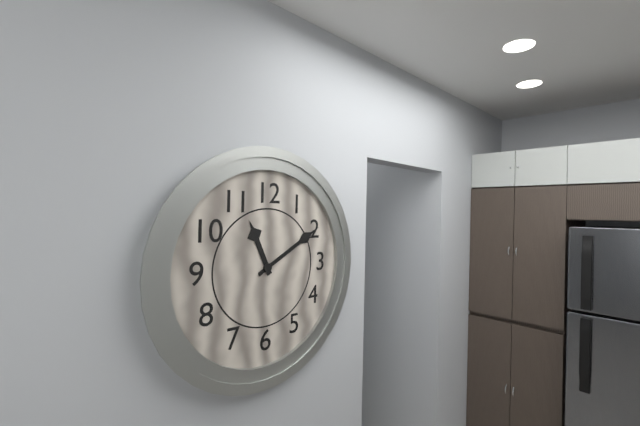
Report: 11:10
